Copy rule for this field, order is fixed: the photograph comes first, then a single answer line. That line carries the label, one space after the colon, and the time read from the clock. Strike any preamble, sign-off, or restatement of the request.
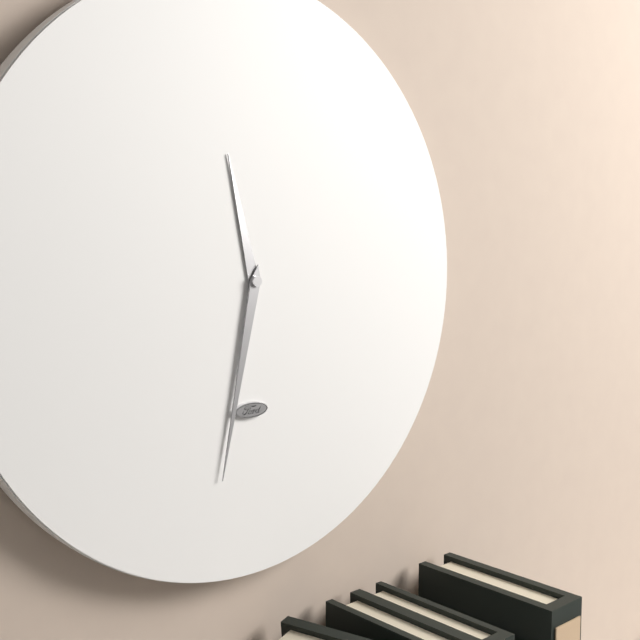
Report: 11:32
